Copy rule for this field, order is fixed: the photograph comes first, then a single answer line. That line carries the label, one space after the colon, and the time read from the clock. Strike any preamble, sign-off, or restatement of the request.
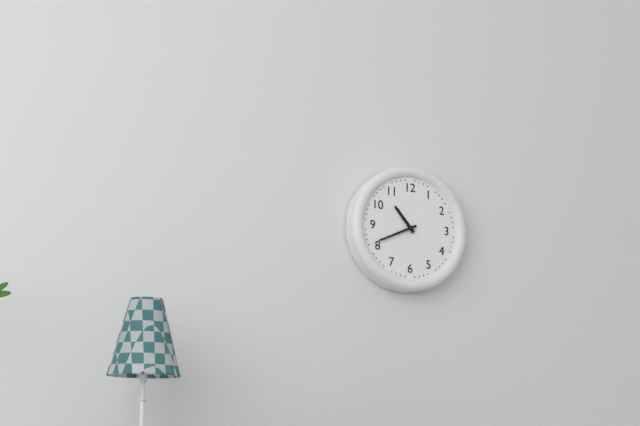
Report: 10:41
